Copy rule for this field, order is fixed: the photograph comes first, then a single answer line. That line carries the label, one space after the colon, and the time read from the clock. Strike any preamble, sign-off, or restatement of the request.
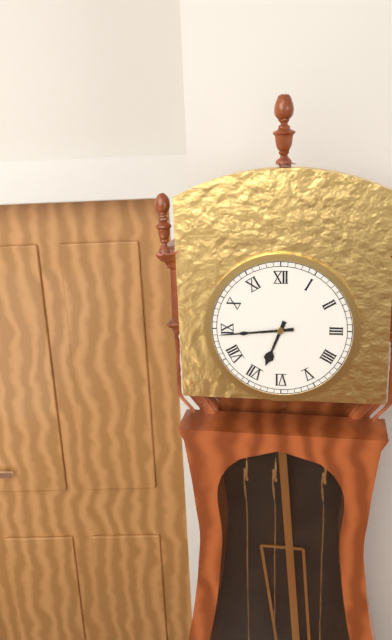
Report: 6:44
